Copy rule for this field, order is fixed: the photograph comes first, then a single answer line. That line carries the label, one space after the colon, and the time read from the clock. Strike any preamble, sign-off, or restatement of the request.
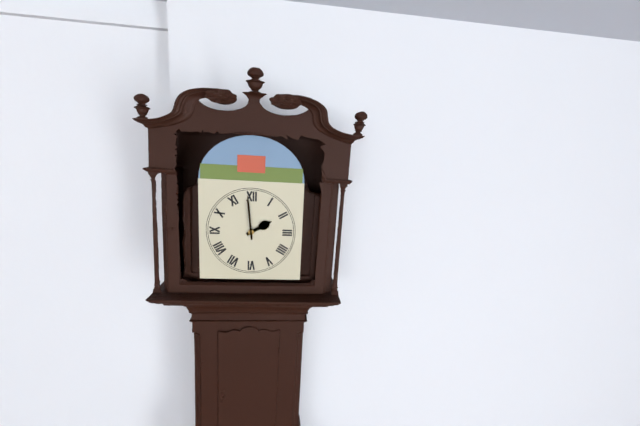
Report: 1:59
